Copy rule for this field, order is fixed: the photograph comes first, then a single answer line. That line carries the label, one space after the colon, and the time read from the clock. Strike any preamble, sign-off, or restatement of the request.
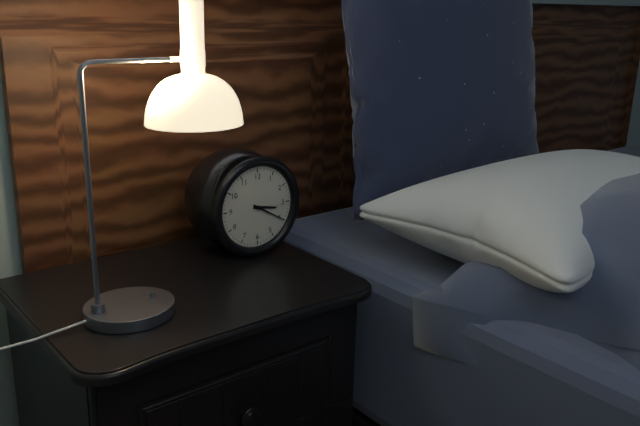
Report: 3:20
